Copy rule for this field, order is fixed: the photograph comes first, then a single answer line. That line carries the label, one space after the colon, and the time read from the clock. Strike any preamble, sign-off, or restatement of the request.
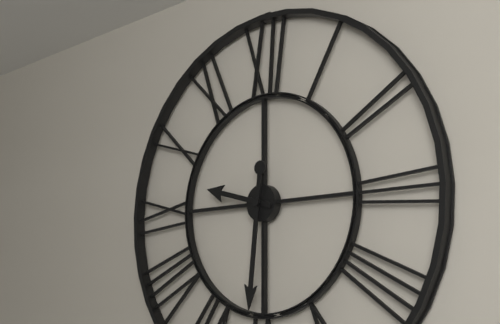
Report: 9:31
